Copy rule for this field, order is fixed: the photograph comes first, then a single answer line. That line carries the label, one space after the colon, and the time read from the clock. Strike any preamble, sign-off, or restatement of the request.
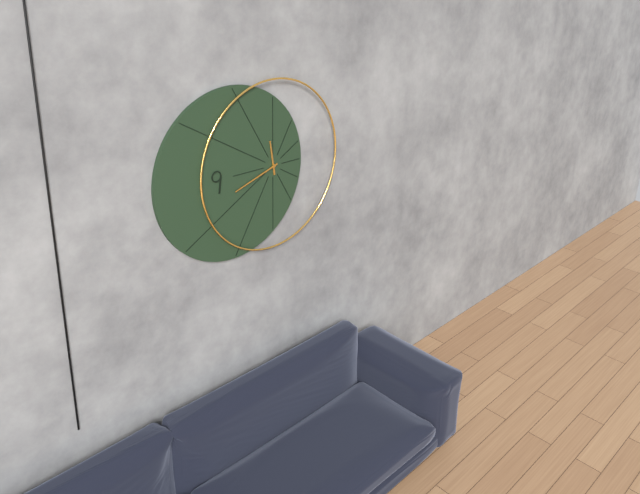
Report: 11:42
